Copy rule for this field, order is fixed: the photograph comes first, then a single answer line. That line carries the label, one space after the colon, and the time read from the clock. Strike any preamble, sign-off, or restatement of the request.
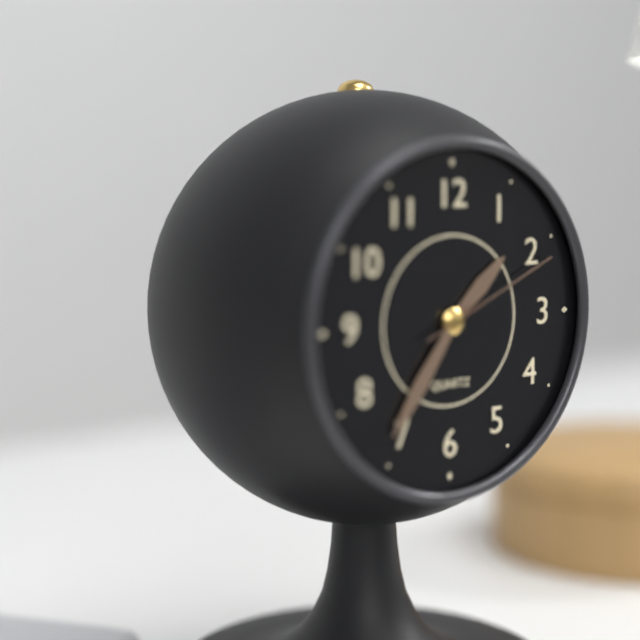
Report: 1:36:11
